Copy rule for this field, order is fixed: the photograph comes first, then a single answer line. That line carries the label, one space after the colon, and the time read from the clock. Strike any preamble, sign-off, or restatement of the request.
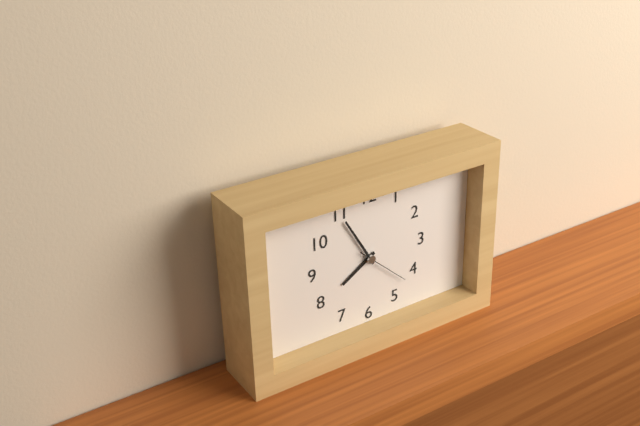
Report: 7:55:22
